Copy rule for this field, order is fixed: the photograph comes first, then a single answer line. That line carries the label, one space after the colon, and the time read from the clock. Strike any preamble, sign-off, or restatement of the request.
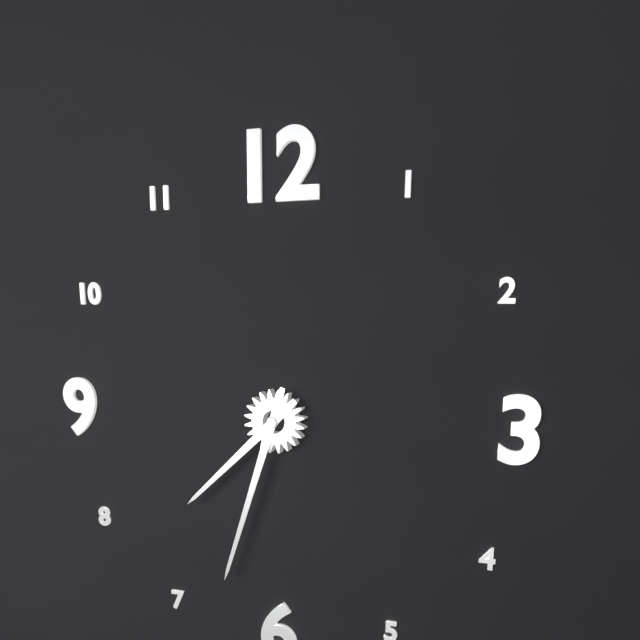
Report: 7:33
